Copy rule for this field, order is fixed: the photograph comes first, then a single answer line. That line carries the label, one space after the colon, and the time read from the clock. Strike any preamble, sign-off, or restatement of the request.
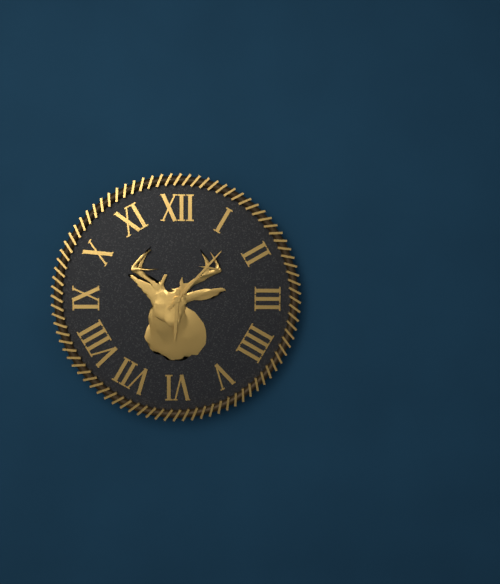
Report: 6:07
